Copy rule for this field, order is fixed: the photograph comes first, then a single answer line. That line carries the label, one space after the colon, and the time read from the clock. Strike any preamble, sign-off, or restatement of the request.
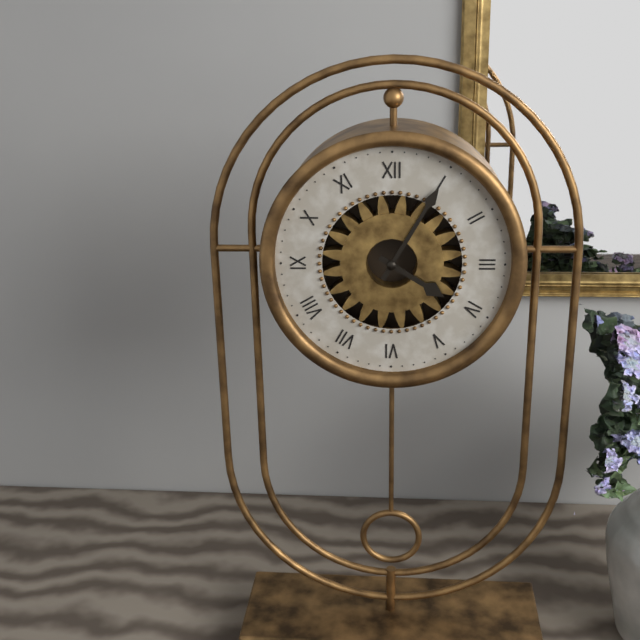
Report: 4:05
